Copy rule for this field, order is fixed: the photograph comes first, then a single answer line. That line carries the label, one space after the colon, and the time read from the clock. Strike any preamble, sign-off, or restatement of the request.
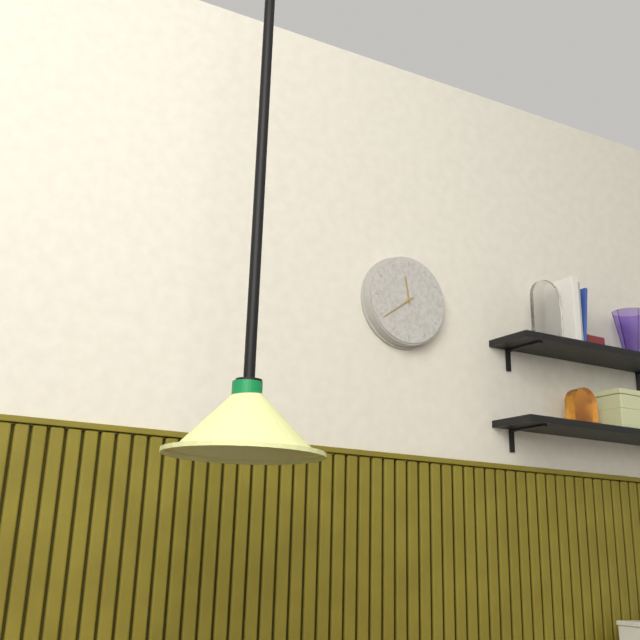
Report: 11:39
